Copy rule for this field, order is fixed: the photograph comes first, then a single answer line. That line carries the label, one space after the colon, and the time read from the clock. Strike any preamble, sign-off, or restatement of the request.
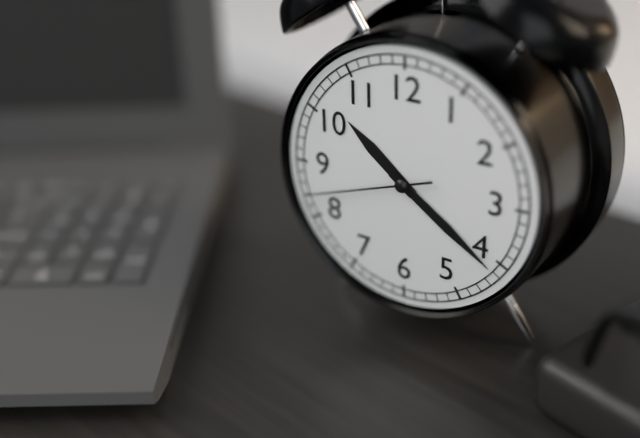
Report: 10:21:42
